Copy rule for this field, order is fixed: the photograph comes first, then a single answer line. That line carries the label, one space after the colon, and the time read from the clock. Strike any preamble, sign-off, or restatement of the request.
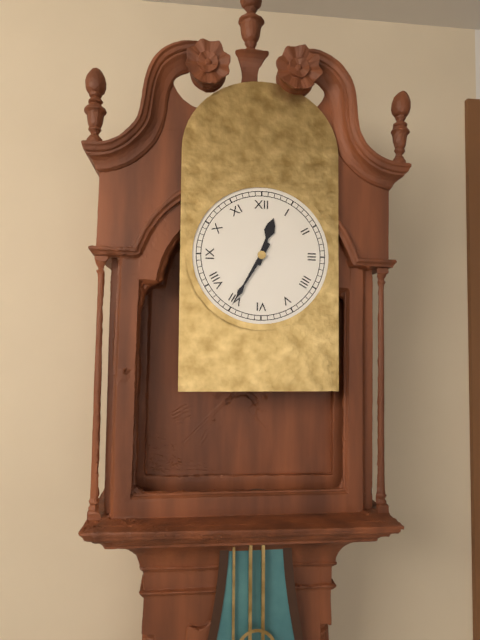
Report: 12:35
